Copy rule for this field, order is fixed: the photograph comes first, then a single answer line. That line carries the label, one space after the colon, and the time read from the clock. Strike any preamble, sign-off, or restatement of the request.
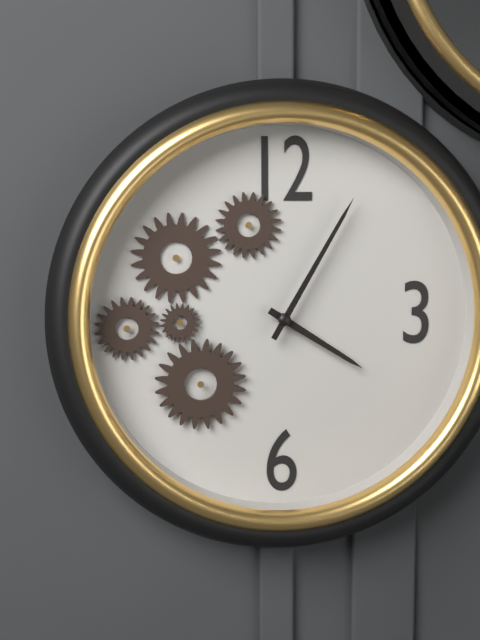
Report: 4:05
